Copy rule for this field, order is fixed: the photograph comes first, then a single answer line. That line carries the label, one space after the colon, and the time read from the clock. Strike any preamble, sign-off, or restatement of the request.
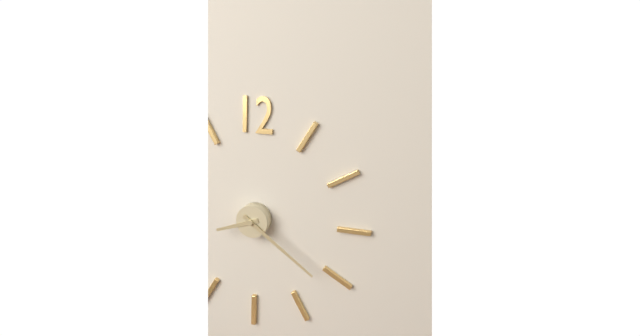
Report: 8:21
